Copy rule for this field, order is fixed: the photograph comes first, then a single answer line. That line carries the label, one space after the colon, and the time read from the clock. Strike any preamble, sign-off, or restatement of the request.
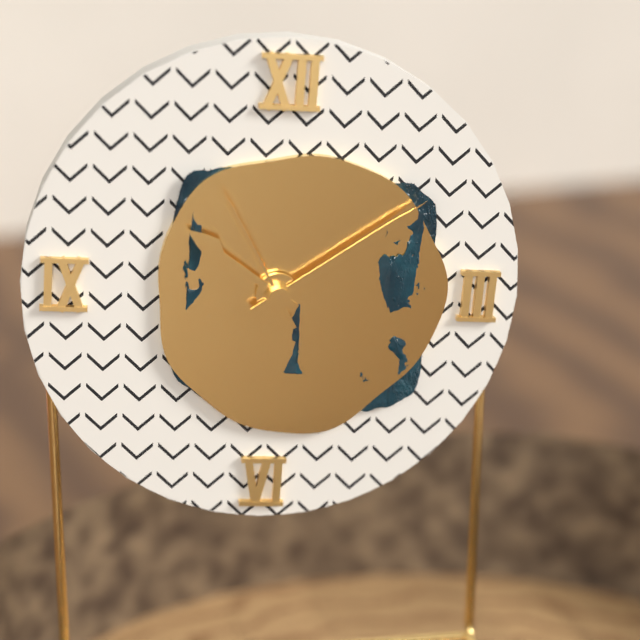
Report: 10:09:55
